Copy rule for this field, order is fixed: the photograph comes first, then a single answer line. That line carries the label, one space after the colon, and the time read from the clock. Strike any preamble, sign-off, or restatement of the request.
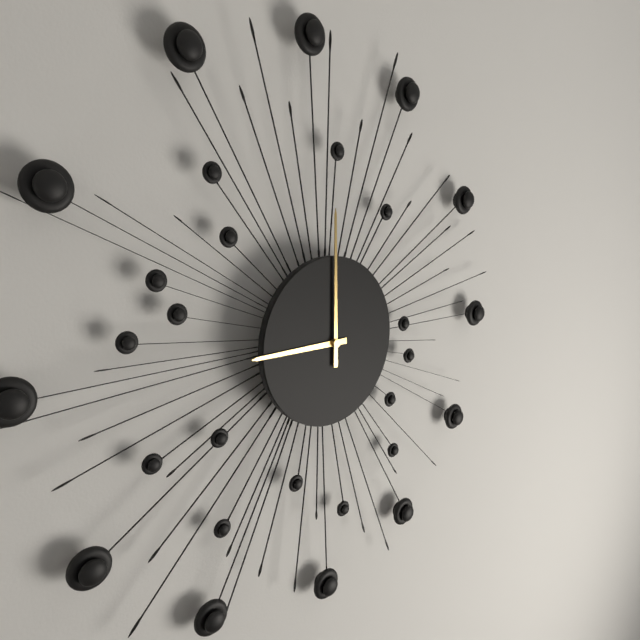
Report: 9:00
